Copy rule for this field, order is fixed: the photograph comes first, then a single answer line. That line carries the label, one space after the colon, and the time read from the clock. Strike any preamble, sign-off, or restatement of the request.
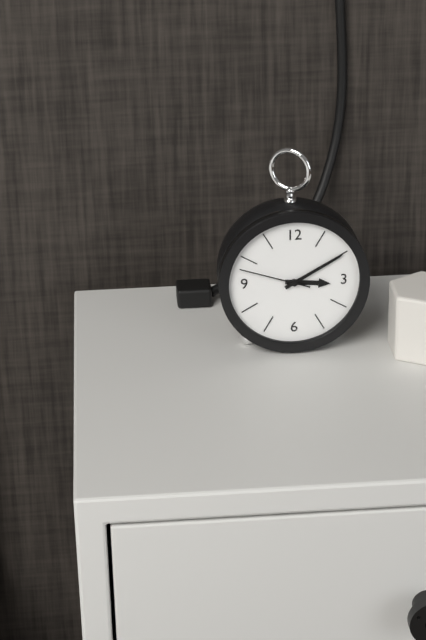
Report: 3:10:48
